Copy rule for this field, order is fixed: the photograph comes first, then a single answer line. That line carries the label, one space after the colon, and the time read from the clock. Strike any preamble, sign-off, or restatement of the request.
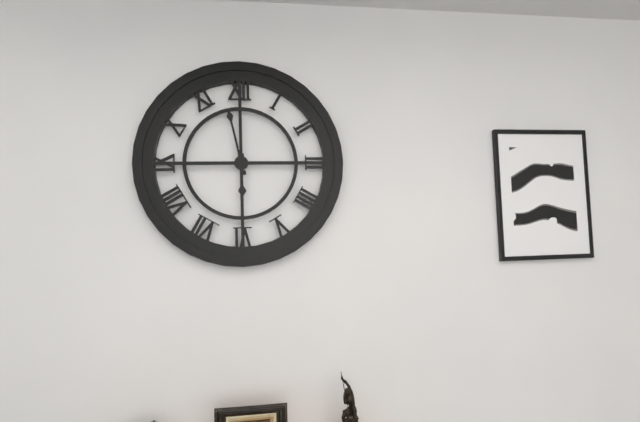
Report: 5:58
